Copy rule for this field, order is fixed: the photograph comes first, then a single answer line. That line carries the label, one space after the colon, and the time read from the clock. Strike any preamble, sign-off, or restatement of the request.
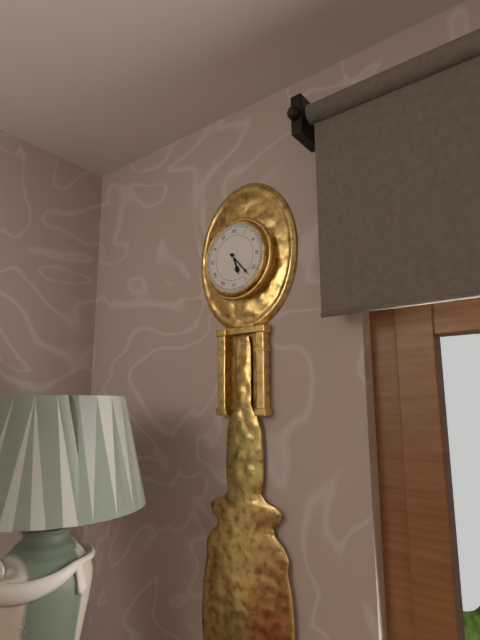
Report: 5:23
